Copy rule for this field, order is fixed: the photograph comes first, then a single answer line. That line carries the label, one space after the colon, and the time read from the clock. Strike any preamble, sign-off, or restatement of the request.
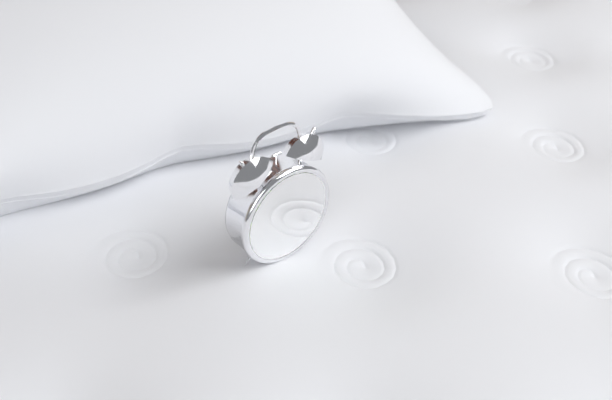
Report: 5:42:05
